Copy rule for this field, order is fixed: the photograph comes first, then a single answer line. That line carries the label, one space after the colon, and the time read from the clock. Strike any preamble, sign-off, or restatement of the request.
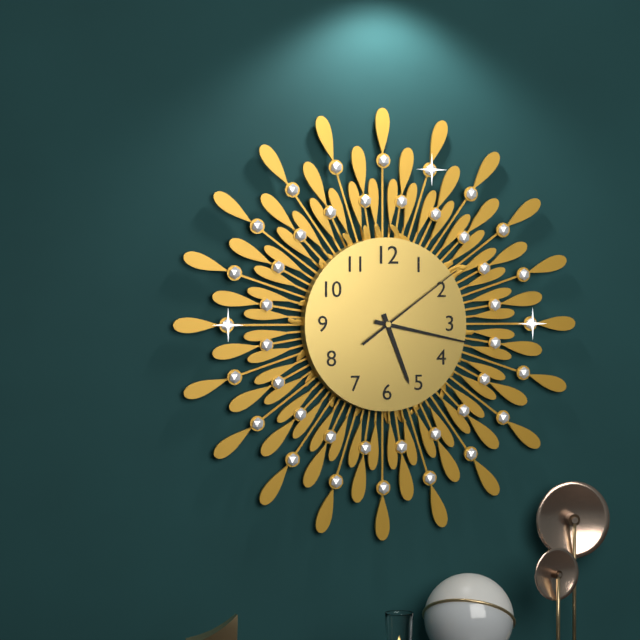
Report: 5:17:09
